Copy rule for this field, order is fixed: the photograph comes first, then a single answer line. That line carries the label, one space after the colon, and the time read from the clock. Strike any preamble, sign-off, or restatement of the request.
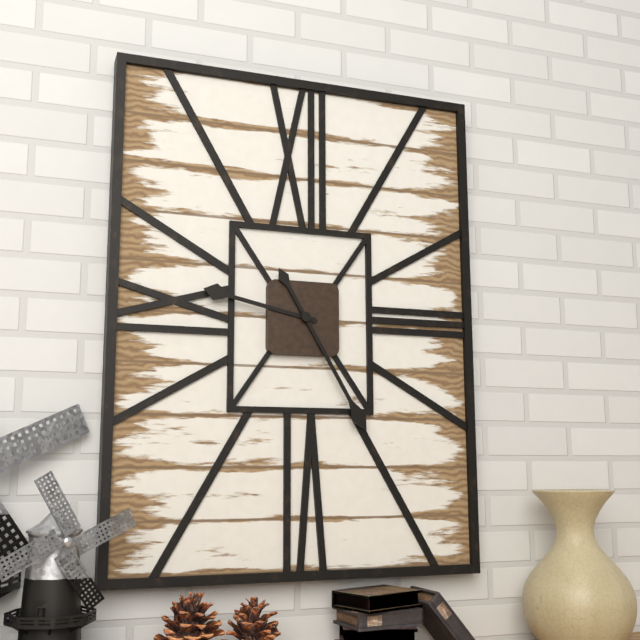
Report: 9:25
